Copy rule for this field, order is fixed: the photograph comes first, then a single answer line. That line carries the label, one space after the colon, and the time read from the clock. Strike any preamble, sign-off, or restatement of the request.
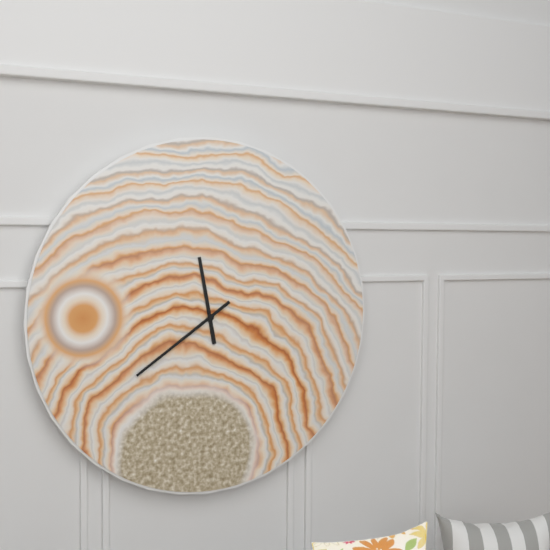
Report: 11:39
